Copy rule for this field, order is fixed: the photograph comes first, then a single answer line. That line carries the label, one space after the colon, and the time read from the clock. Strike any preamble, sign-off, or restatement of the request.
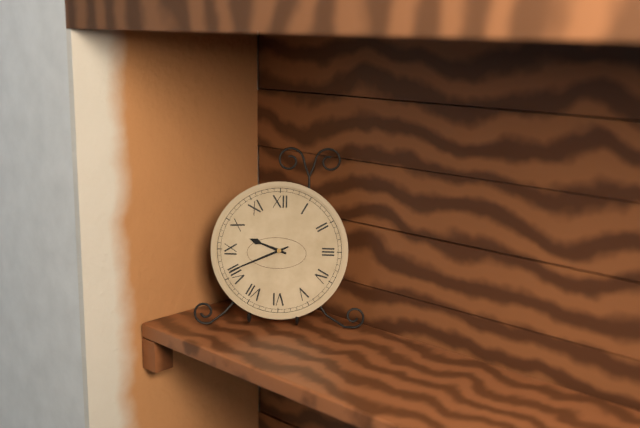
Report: 9:41
